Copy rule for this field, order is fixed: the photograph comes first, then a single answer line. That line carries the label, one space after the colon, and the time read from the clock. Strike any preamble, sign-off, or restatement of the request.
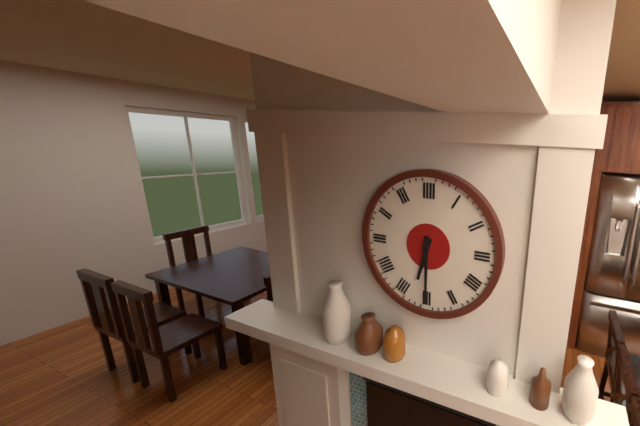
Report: 6:30
